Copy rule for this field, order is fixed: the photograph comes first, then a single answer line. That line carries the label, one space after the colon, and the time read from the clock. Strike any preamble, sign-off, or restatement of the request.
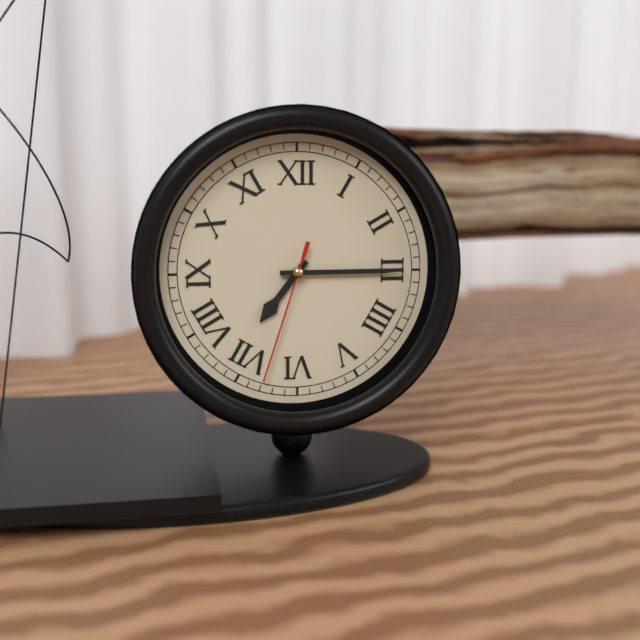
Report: 7:15:33
